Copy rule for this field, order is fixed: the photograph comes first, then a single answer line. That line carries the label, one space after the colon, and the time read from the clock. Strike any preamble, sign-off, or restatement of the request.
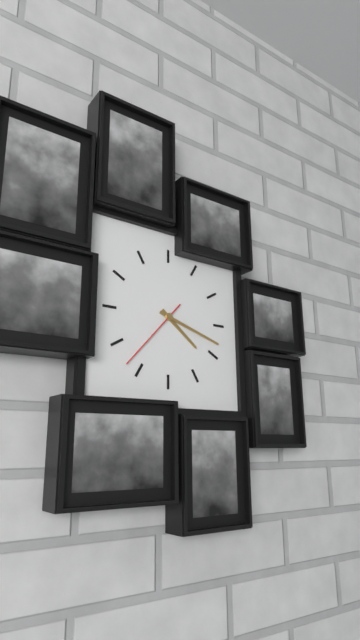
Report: 4:18:37
